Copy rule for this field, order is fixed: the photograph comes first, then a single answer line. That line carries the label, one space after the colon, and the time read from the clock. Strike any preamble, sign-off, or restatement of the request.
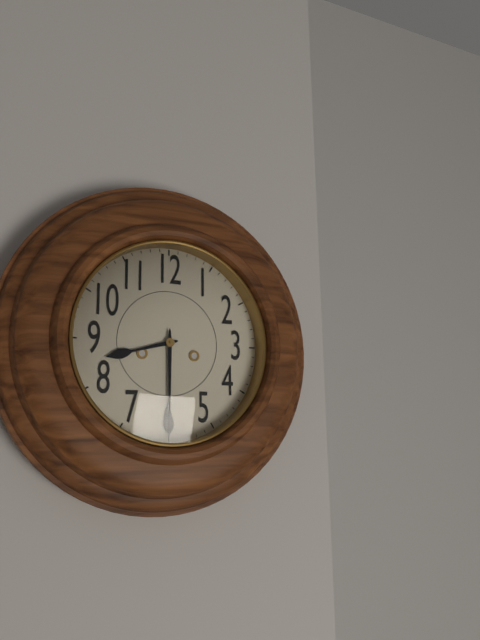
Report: 8:30
